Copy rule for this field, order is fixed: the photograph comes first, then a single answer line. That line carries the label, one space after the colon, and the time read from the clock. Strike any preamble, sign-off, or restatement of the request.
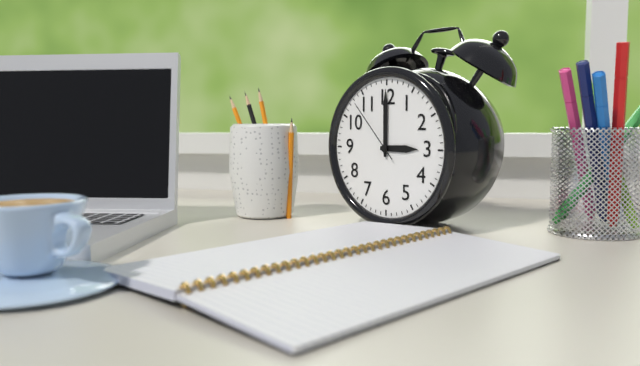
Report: 3:00:53
